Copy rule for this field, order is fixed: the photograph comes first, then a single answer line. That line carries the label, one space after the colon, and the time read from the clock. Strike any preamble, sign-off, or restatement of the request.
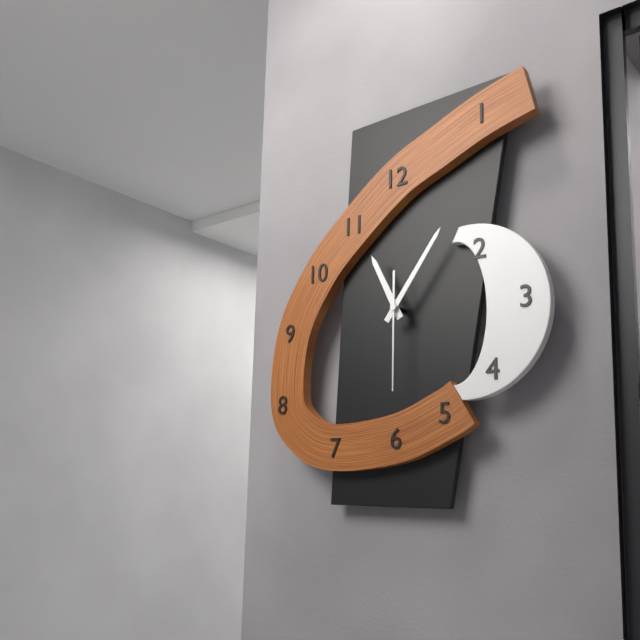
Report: 11:06:30
